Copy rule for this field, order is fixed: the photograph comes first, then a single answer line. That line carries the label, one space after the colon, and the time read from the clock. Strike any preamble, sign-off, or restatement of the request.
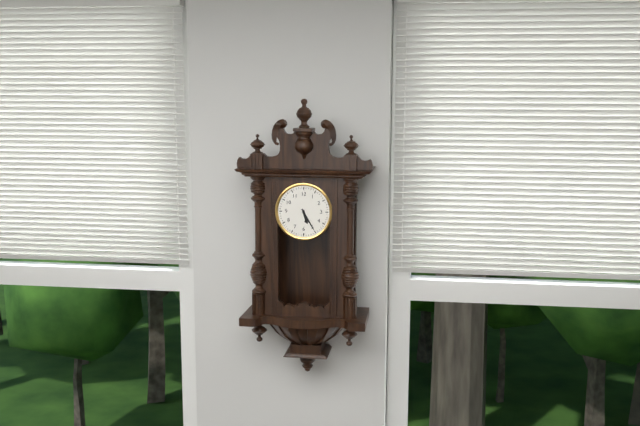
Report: 5:25
